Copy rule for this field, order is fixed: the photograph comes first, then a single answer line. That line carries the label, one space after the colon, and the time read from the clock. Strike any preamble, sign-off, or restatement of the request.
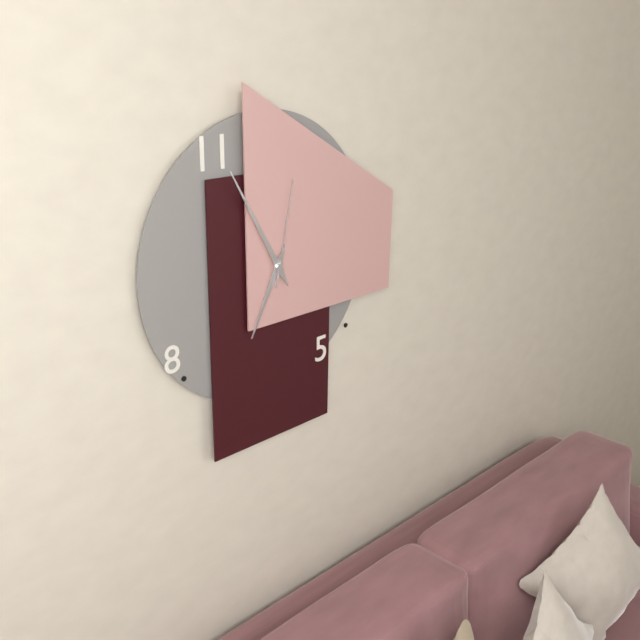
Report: 6:55:02
